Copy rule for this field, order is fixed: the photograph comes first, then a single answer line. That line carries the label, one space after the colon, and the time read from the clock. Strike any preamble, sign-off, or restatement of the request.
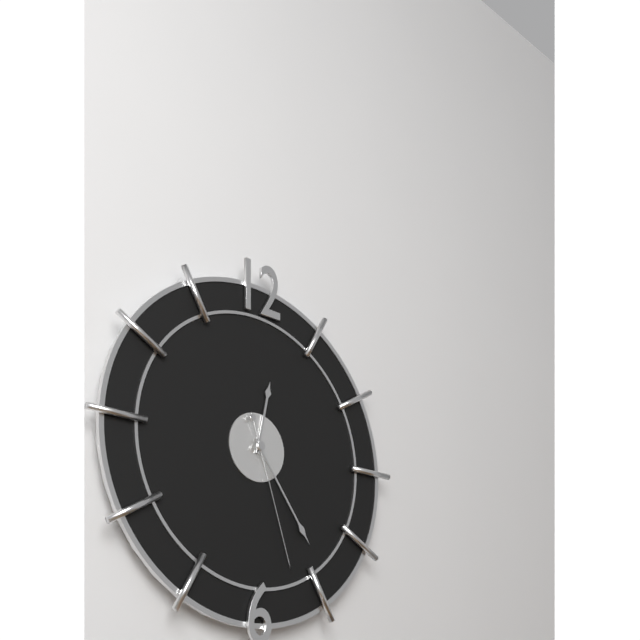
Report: 12:24:27
